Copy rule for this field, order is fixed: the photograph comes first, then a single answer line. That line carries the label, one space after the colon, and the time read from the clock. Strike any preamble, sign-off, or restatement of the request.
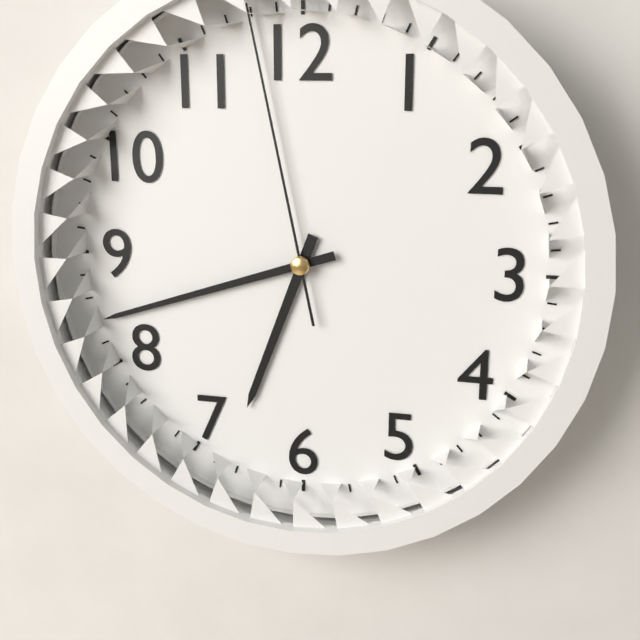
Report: 6:42:58
